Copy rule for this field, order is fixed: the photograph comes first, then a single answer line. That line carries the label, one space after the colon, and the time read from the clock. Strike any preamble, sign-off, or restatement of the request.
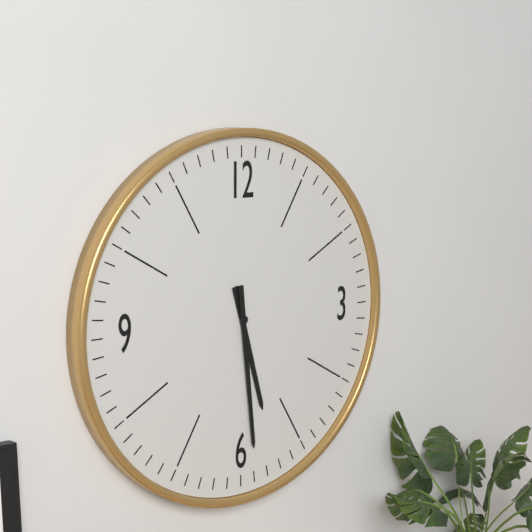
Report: 5:29
